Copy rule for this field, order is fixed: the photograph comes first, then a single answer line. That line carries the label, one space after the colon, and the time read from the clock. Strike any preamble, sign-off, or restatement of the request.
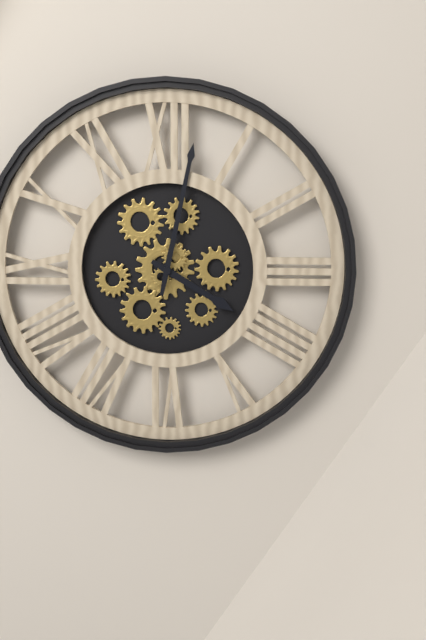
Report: 4:02
